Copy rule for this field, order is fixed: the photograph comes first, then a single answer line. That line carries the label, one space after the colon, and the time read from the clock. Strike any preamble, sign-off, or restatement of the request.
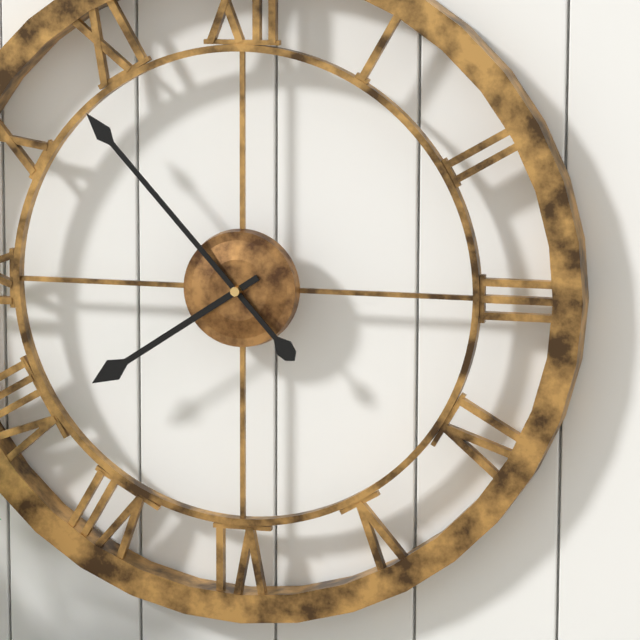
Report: 7:53
